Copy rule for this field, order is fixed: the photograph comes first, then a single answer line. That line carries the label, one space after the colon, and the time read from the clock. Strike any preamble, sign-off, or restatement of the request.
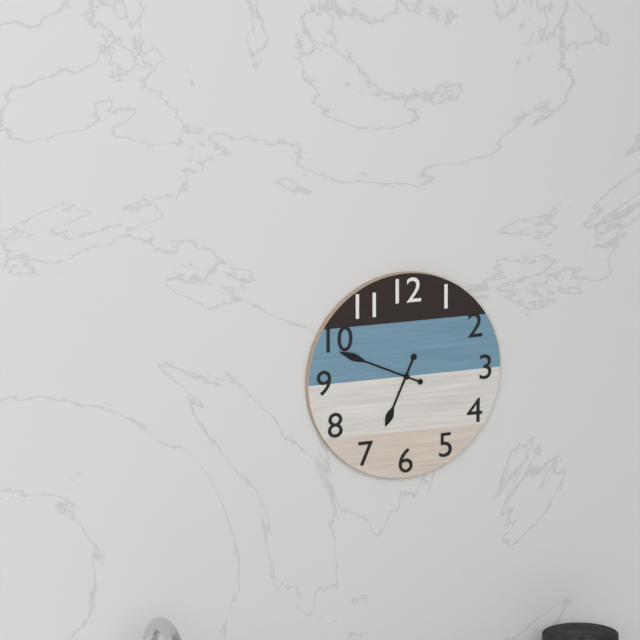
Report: 6:49
